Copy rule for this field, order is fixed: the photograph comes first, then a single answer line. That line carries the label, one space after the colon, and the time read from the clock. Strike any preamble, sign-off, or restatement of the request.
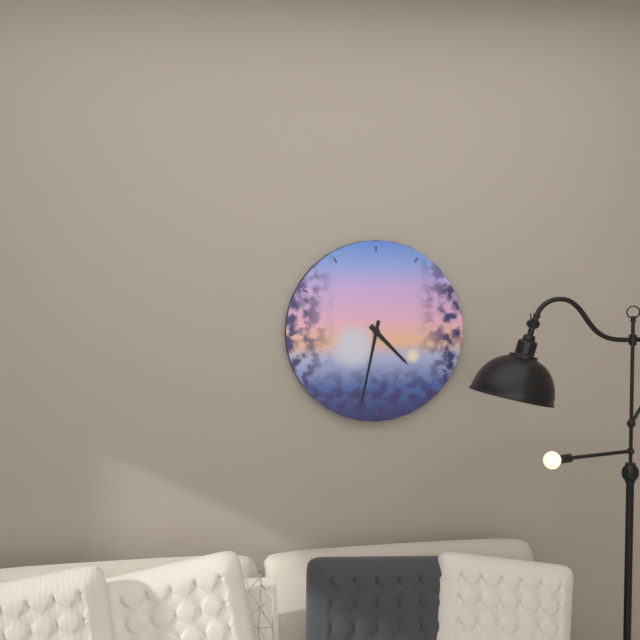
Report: 4:32
